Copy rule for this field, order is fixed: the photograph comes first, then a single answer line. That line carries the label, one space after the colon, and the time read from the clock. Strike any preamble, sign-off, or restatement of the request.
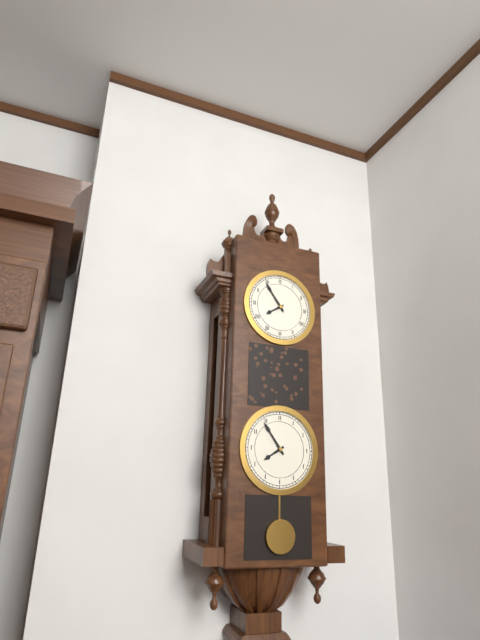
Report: 7:54
